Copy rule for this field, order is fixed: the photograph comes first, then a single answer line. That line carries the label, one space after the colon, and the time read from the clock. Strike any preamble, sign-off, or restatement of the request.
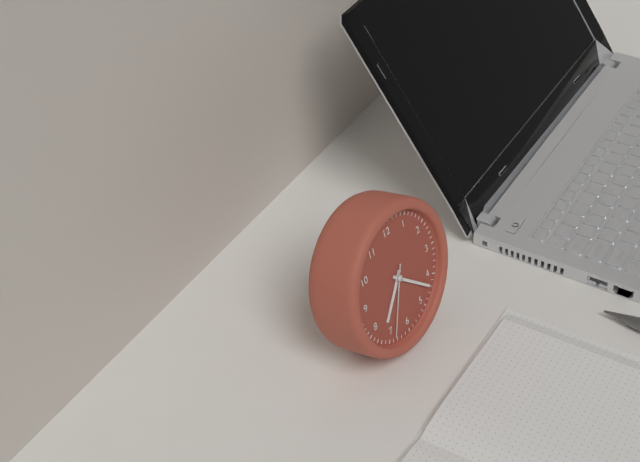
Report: 7:22:34
